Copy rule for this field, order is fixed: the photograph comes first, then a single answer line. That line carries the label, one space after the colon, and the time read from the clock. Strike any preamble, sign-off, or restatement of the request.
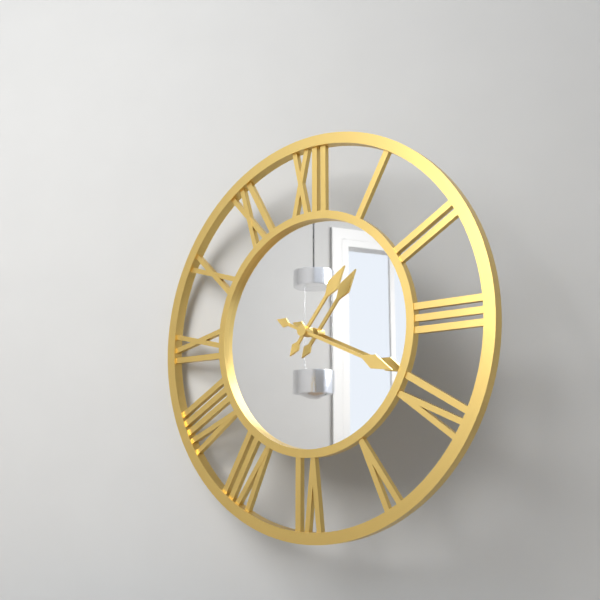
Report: 1:19
